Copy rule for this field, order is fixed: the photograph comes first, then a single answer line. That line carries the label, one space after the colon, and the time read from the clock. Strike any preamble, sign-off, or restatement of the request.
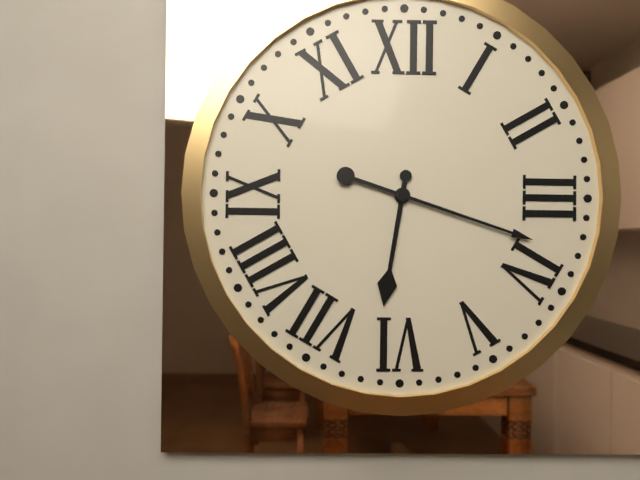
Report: 6:18
